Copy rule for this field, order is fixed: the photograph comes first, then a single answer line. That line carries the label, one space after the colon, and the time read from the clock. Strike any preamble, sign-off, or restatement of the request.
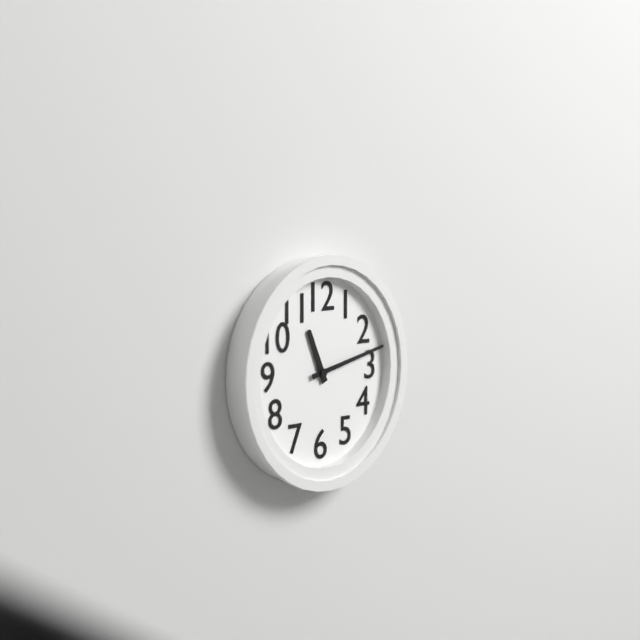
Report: 11:13
